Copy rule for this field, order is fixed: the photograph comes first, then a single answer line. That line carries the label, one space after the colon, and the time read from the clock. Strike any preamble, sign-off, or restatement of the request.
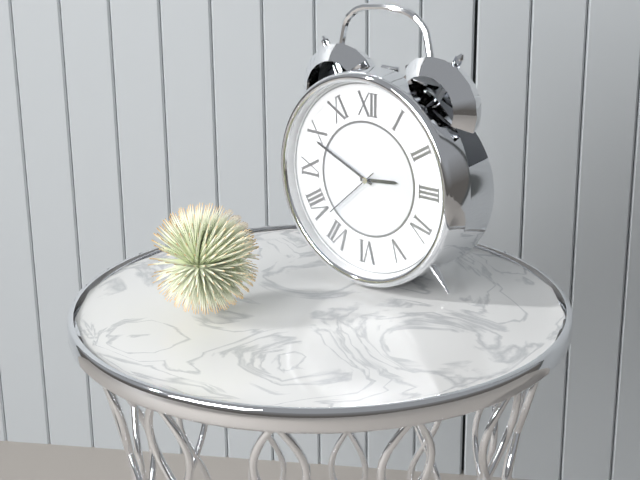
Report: 2:49:38
